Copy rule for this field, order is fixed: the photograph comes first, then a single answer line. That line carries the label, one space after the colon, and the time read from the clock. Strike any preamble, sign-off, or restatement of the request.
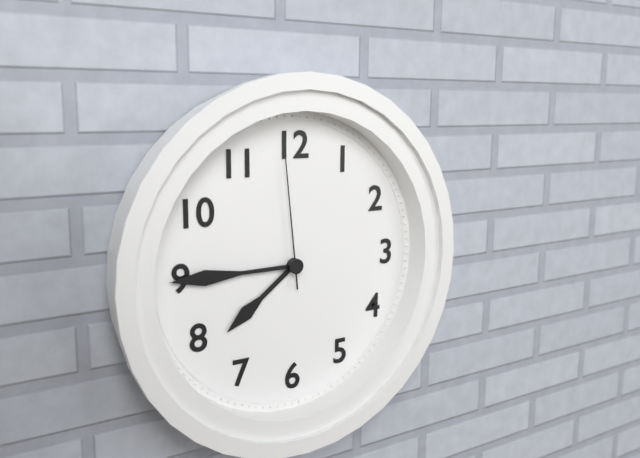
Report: 7:45:59
